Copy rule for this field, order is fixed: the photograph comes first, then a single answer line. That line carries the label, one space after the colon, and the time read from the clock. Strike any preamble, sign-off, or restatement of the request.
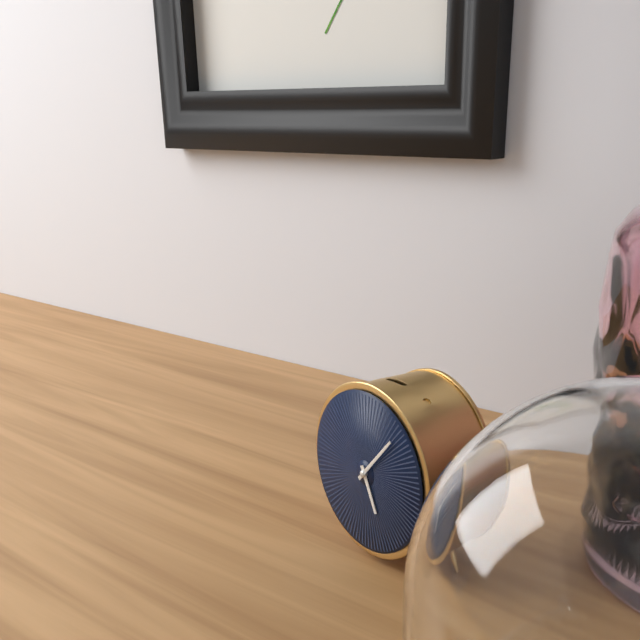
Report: 5:07
